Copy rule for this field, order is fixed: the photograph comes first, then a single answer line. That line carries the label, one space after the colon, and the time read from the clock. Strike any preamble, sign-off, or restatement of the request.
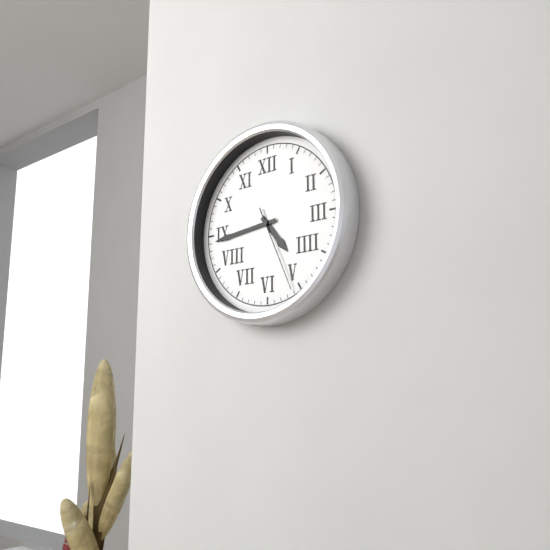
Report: 4:44:26
